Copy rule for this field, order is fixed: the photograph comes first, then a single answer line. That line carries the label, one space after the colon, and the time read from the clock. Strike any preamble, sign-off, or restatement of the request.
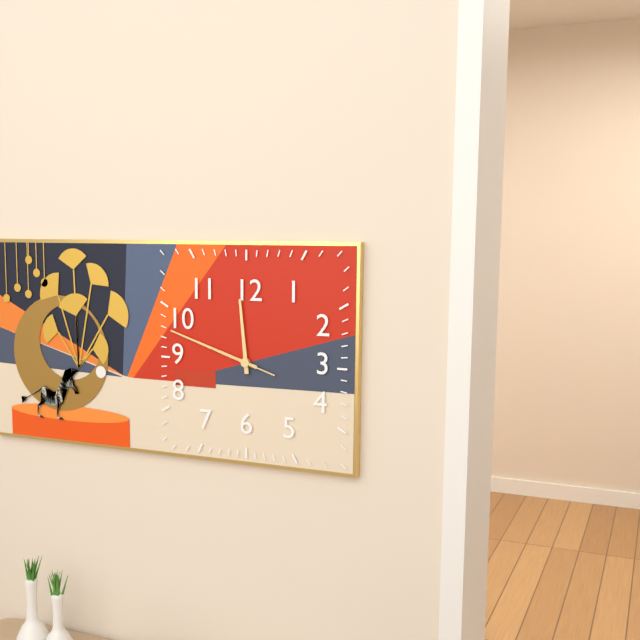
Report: 11:48:48
